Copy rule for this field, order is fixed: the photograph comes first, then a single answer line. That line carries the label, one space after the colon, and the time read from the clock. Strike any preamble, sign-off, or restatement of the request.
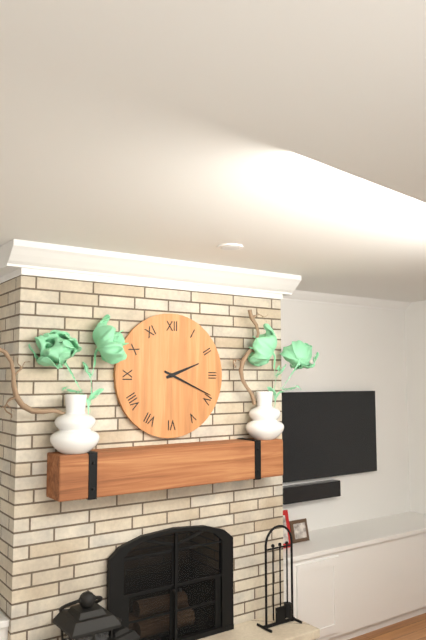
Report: 2:19
